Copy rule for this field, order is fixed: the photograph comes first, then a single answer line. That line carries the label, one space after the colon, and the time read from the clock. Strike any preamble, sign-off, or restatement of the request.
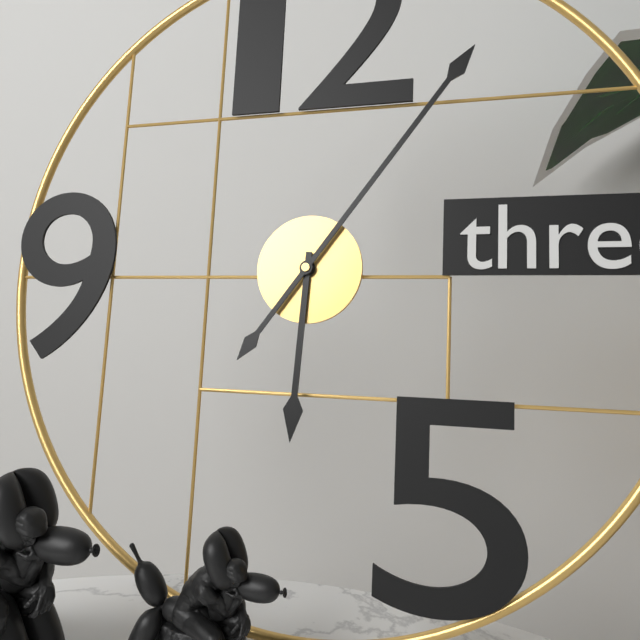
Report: 6:06
